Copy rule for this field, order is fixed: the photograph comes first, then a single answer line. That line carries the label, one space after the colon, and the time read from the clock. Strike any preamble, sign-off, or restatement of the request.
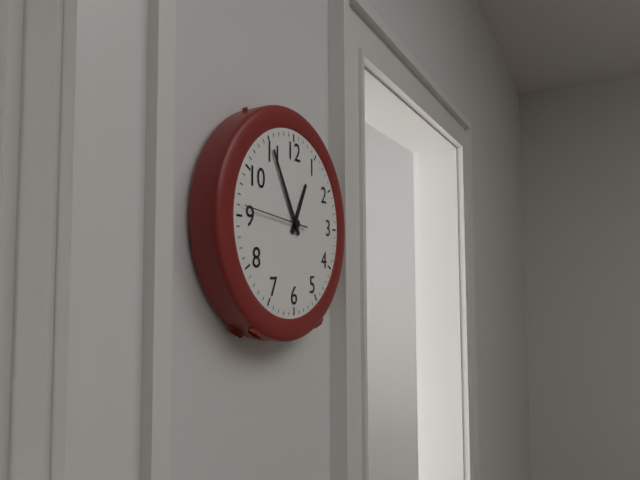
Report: 12:55:46
